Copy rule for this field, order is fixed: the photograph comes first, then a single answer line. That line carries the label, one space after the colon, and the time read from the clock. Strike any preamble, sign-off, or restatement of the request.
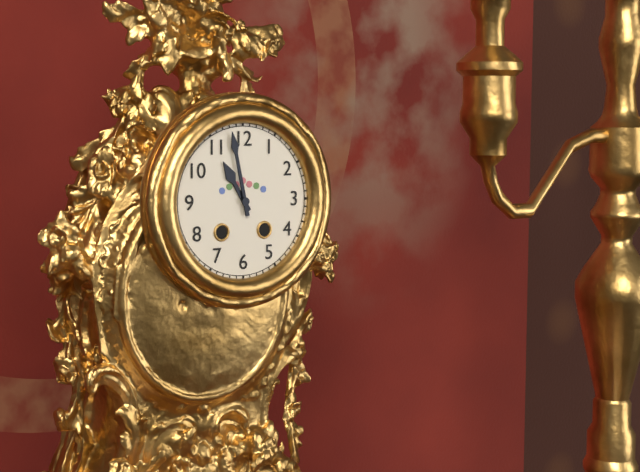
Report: 10:58
